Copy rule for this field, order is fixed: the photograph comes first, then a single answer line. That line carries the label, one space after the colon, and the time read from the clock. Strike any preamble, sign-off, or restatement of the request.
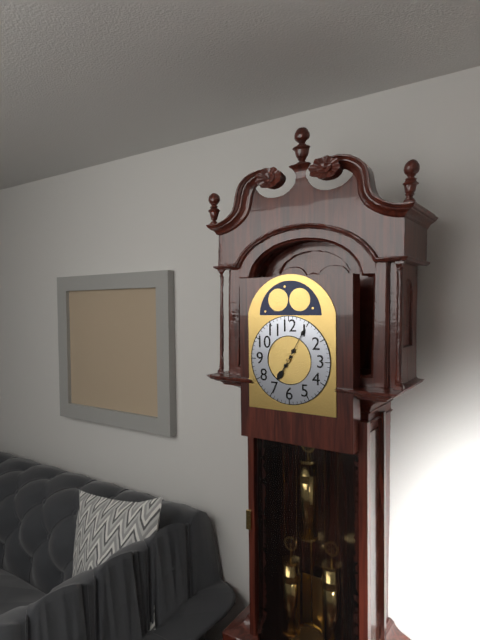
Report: 7:05
